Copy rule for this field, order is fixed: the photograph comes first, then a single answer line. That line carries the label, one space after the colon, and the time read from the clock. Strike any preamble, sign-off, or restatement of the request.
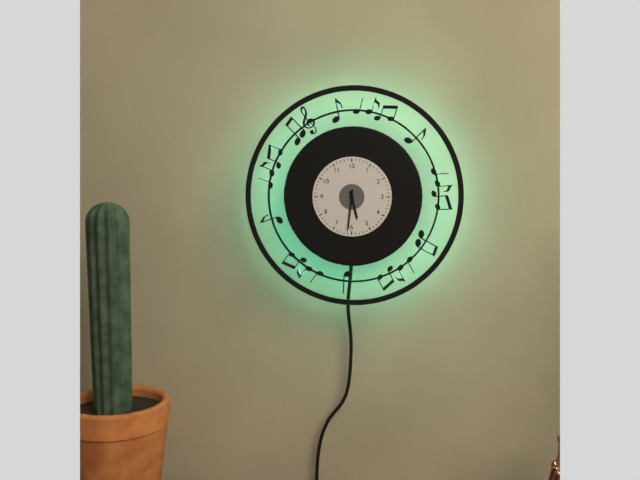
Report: 5:31
